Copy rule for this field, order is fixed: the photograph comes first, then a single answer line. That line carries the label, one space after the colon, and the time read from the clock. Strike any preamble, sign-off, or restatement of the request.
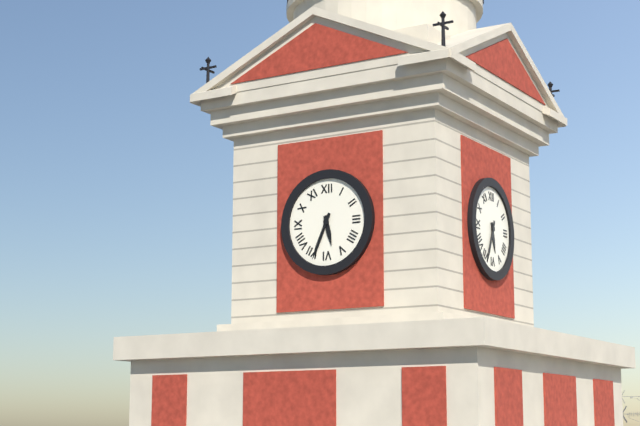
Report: 5:34
